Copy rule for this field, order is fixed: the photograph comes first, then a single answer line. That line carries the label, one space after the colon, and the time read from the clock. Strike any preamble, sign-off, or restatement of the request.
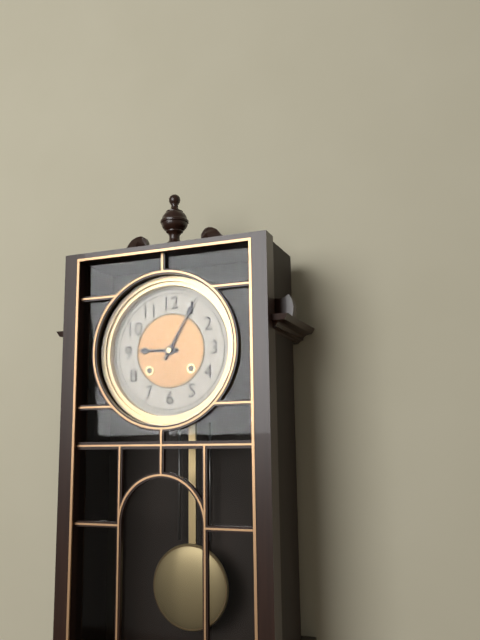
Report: 9:05
